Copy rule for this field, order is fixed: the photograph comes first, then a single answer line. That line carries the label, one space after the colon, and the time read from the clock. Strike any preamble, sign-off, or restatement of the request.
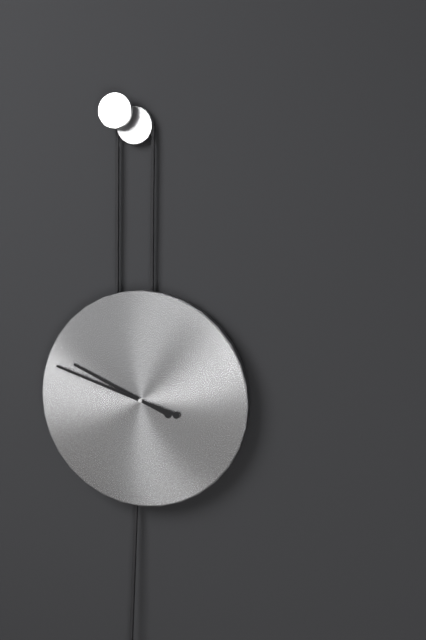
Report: 9:48
